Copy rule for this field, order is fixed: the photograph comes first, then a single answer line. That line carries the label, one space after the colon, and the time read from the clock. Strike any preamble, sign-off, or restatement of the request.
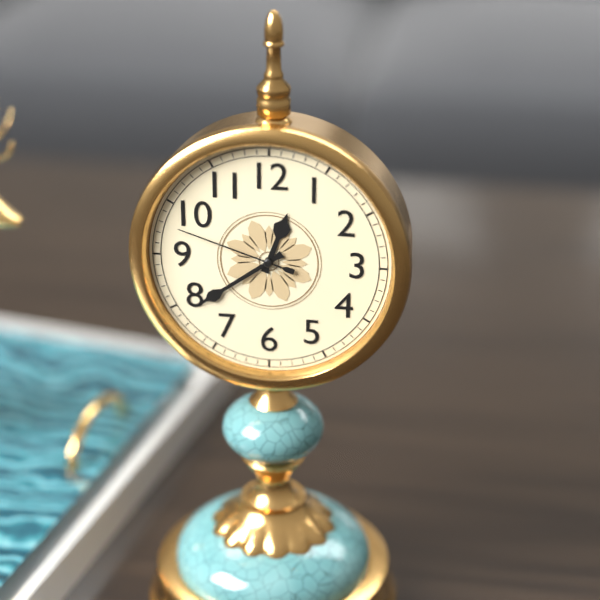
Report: 12:39:48
